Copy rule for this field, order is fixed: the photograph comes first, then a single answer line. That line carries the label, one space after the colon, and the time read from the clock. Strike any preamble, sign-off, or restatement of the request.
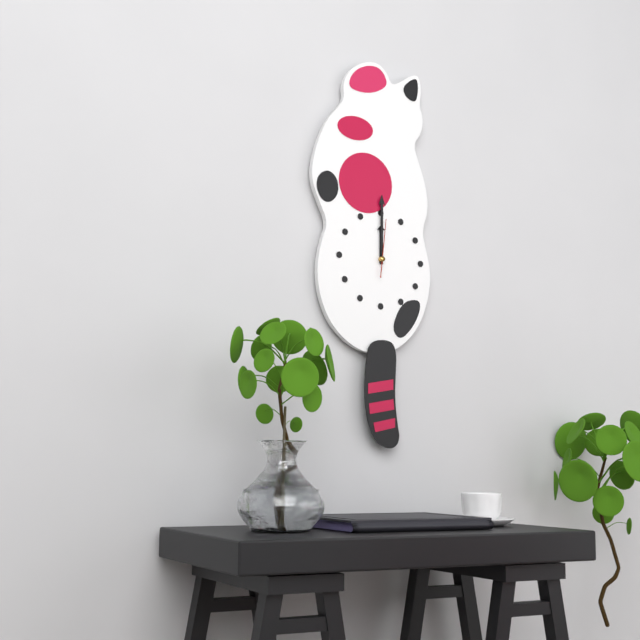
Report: 12:00:01
